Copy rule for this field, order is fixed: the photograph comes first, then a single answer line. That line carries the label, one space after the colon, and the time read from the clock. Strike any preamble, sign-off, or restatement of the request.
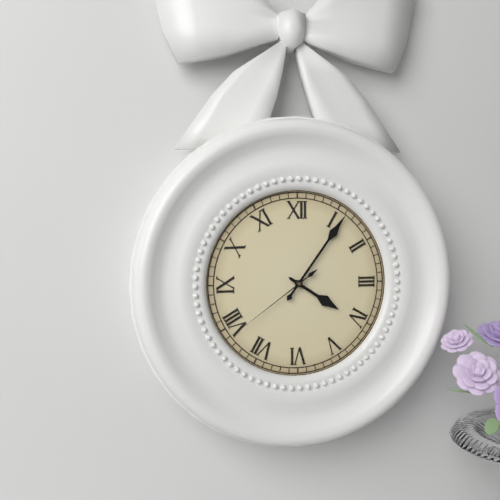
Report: 4:06:39
